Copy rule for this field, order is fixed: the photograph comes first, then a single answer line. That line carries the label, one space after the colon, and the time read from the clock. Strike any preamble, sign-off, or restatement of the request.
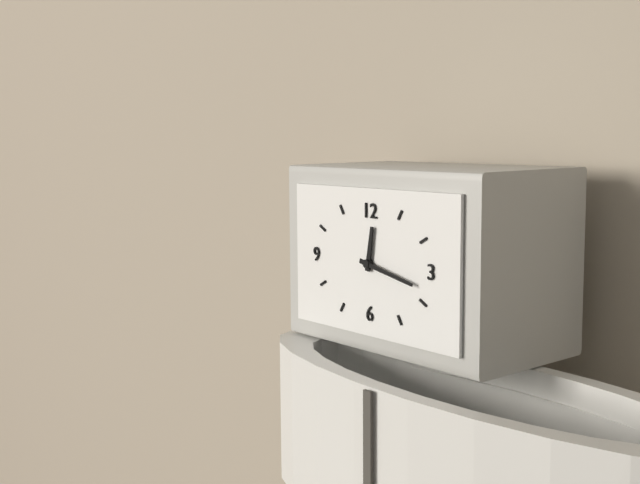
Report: 12:17
